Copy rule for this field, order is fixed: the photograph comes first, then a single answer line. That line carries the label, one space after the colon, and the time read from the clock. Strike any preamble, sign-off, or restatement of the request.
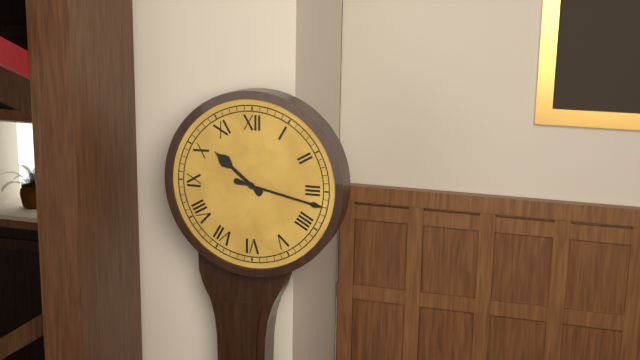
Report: 10:17
